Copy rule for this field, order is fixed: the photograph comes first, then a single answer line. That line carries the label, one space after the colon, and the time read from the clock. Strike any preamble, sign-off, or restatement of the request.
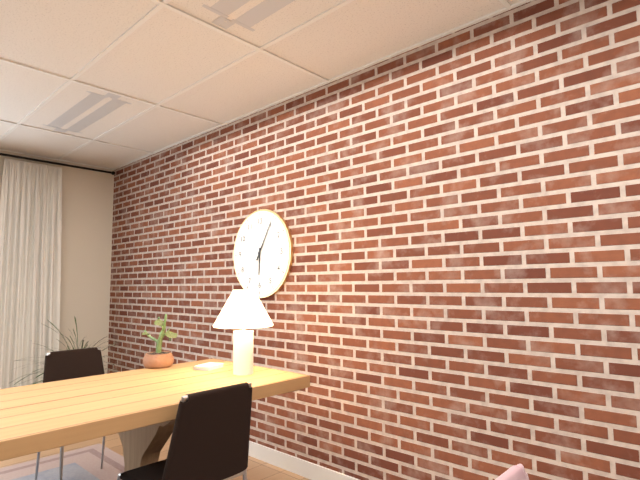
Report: 6:05
